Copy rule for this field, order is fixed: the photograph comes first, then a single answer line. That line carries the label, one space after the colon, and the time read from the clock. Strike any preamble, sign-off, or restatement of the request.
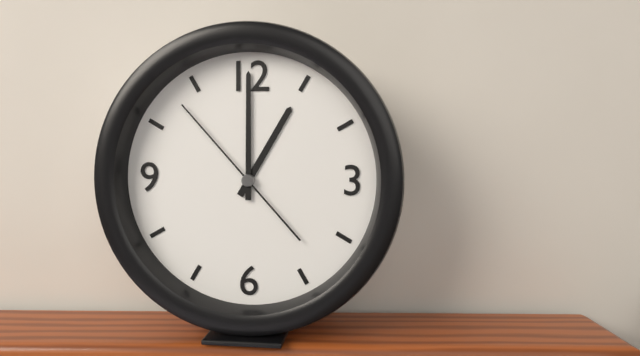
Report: 1:00:53
